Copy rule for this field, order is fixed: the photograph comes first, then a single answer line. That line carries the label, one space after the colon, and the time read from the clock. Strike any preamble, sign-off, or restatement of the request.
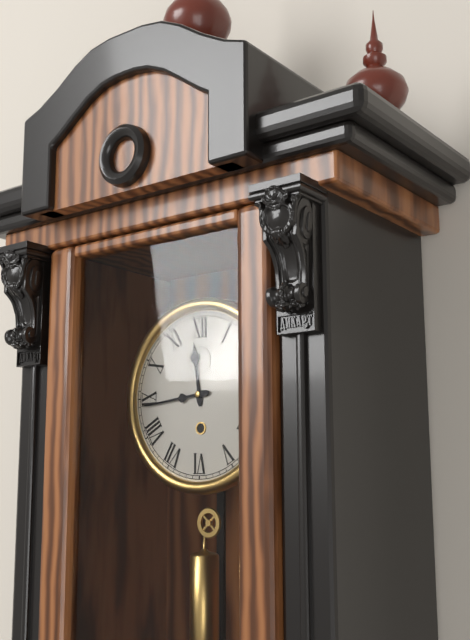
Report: 11:44
